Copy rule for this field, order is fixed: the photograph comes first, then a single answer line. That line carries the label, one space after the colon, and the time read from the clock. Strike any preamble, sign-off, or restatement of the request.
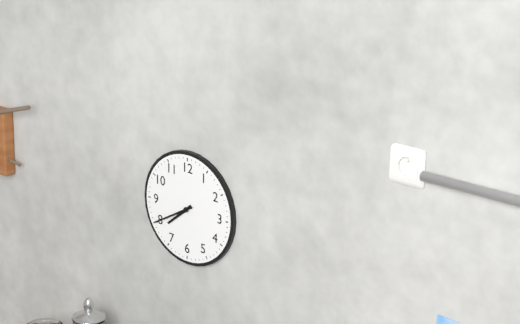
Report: 7:40
